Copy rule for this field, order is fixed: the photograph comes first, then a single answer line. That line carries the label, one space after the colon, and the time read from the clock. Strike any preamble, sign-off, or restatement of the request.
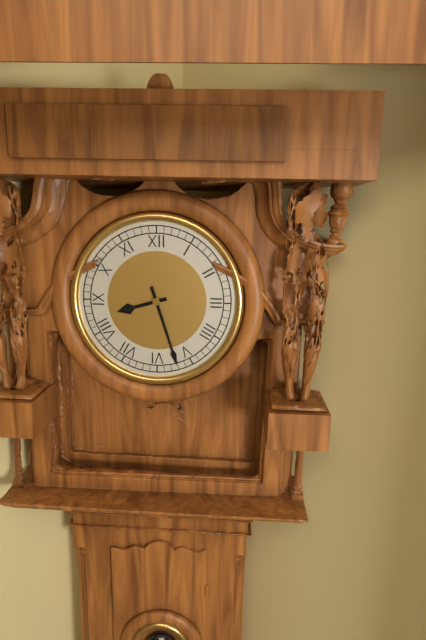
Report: 8:27
